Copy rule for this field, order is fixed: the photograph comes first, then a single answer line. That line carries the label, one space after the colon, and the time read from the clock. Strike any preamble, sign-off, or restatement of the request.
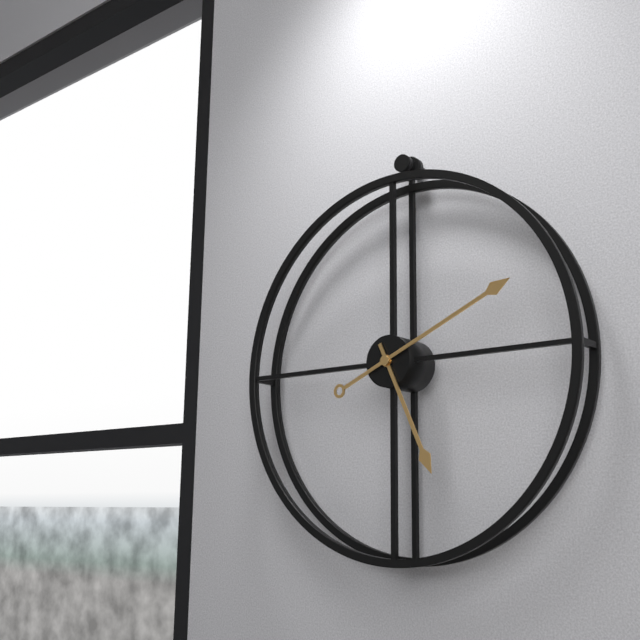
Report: 5:11
